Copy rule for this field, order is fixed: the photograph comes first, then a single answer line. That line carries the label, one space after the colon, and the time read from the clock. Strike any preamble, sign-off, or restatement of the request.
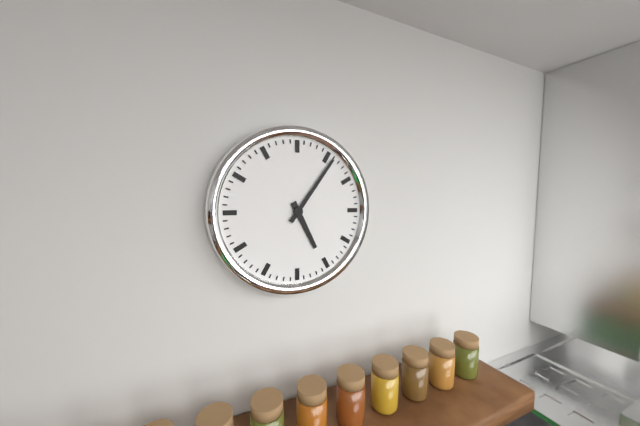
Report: 5:06
